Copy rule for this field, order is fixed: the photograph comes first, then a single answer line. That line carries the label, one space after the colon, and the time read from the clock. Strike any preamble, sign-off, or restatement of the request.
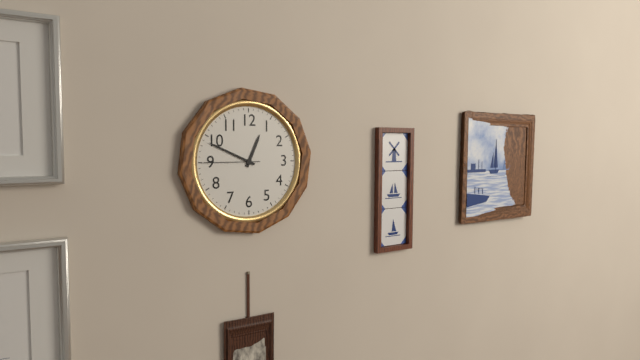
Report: 12:49:45
